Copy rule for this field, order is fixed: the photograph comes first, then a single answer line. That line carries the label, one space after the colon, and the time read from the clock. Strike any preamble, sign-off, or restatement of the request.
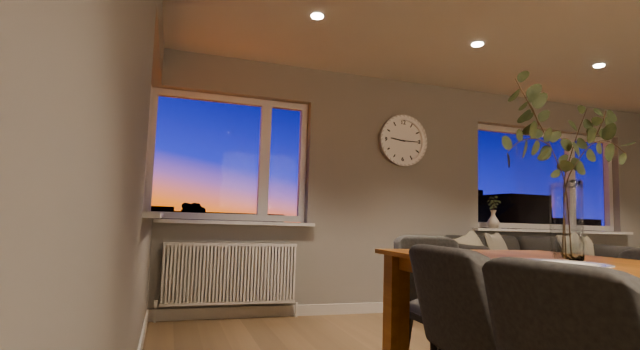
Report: 9:15
